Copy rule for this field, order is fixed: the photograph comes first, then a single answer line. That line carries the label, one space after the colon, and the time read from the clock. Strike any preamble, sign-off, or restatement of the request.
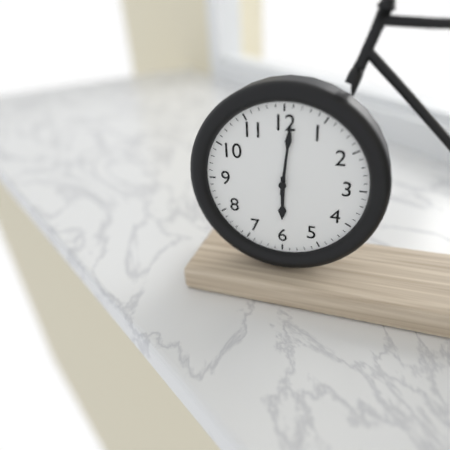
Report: 6:01
